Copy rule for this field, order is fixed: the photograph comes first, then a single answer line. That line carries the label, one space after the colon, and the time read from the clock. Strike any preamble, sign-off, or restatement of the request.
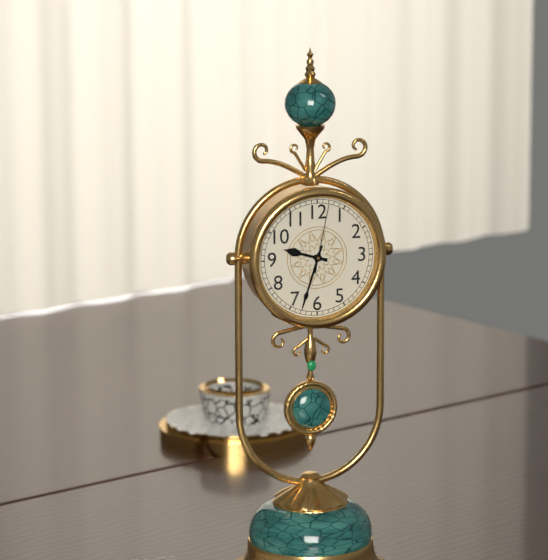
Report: 9:33:02
